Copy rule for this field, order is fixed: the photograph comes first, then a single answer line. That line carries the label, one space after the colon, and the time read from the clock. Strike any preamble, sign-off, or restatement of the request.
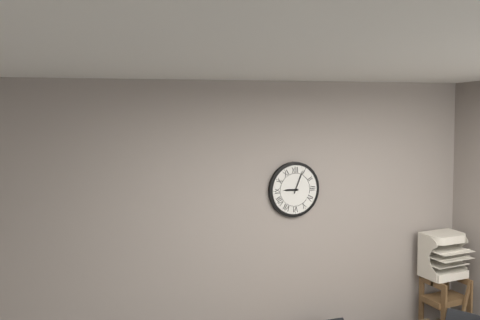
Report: 9:04
